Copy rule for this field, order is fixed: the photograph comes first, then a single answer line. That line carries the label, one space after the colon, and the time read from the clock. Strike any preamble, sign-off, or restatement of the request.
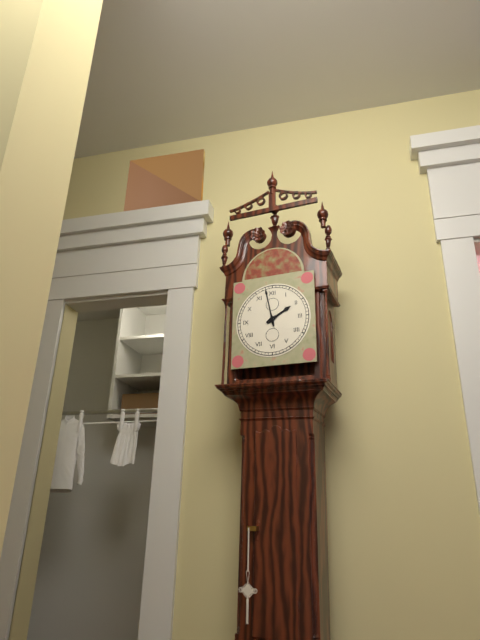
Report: 1:58
